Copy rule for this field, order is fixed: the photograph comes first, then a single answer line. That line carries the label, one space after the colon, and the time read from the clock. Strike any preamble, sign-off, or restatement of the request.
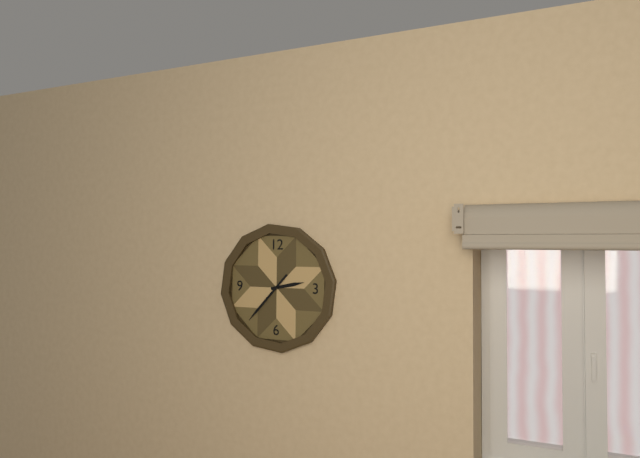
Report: 2:37
